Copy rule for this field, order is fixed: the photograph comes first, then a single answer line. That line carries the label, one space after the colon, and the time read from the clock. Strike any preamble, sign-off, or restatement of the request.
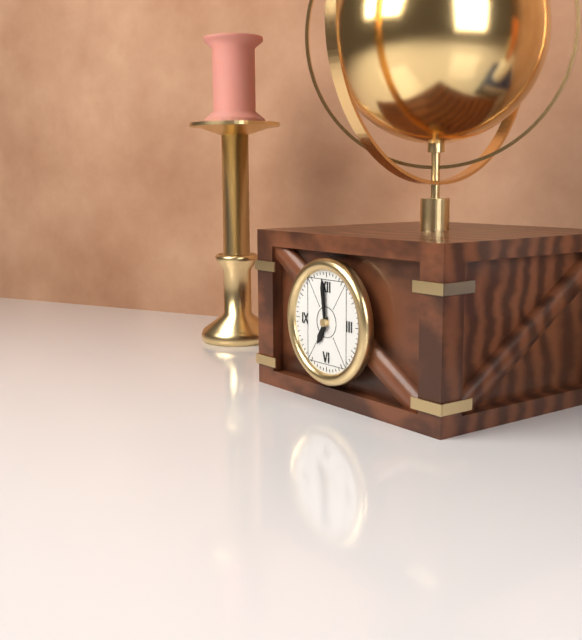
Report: 6:59
